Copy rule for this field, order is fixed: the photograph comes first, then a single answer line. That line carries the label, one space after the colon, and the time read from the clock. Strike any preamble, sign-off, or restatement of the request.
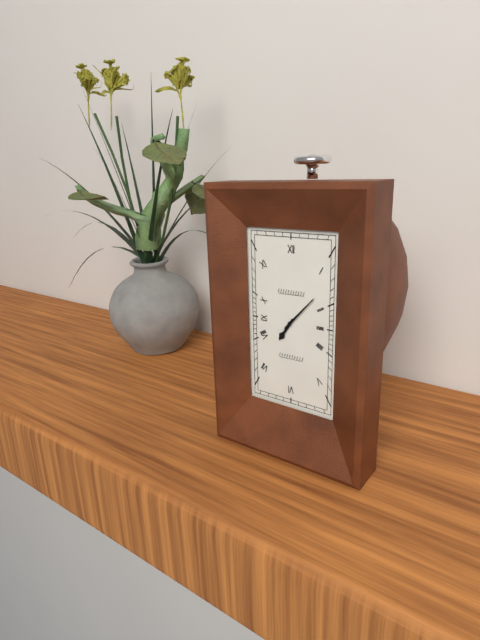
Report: 7:07
